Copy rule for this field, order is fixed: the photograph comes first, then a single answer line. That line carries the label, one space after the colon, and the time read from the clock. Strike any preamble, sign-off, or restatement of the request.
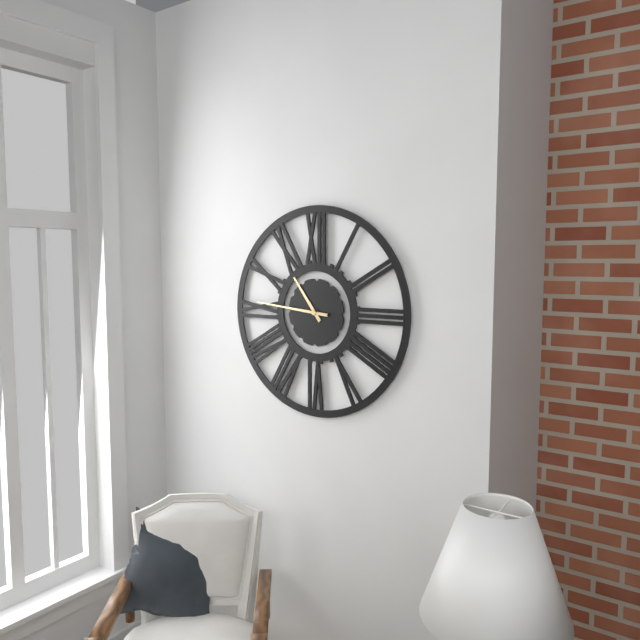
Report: 10:46
